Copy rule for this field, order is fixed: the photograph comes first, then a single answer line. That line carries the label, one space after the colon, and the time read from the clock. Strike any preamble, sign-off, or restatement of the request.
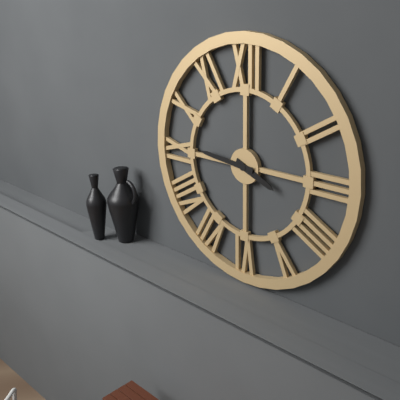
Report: 3:46
